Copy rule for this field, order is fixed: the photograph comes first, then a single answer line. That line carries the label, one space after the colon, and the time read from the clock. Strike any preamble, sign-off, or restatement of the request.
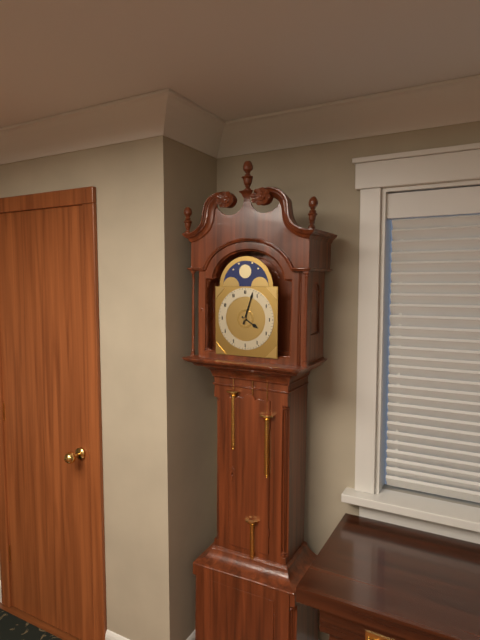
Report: 4:03
